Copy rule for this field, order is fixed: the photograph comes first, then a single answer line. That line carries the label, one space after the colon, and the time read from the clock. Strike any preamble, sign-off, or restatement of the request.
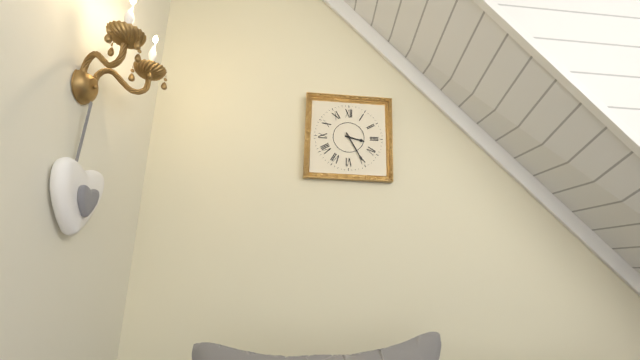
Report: 3:25
